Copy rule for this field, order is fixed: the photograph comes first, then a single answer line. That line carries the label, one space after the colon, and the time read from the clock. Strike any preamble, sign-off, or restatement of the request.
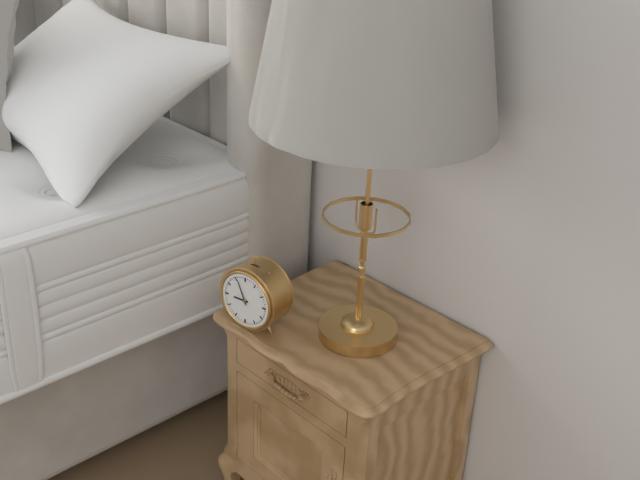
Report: 8:56
